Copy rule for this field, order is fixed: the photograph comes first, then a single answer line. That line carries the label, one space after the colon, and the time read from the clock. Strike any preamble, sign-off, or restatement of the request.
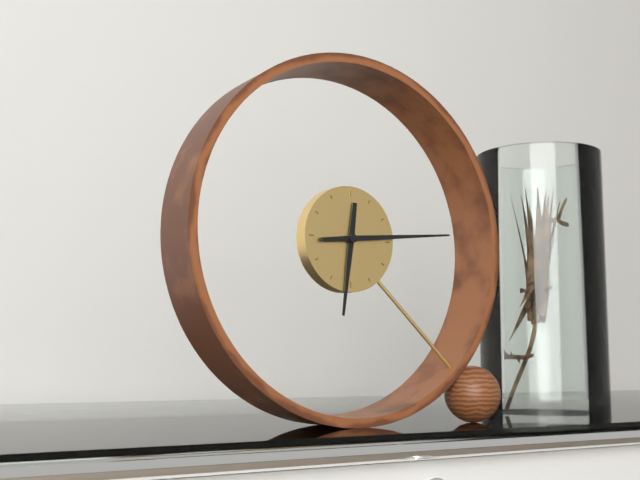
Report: 6:14
